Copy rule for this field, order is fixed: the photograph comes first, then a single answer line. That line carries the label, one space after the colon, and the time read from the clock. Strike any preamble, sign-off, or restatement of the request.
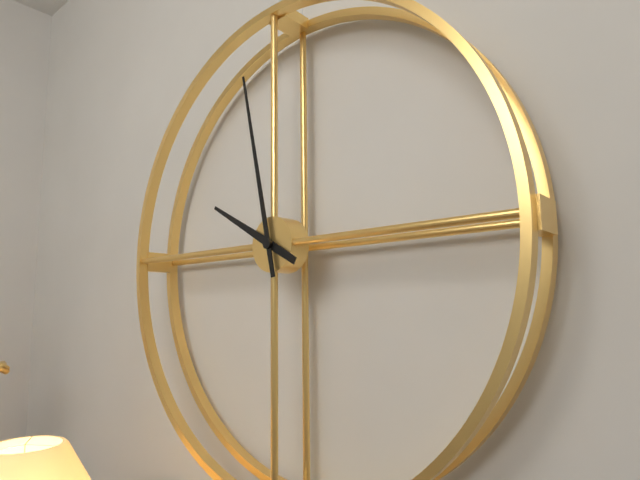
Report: 9:58
